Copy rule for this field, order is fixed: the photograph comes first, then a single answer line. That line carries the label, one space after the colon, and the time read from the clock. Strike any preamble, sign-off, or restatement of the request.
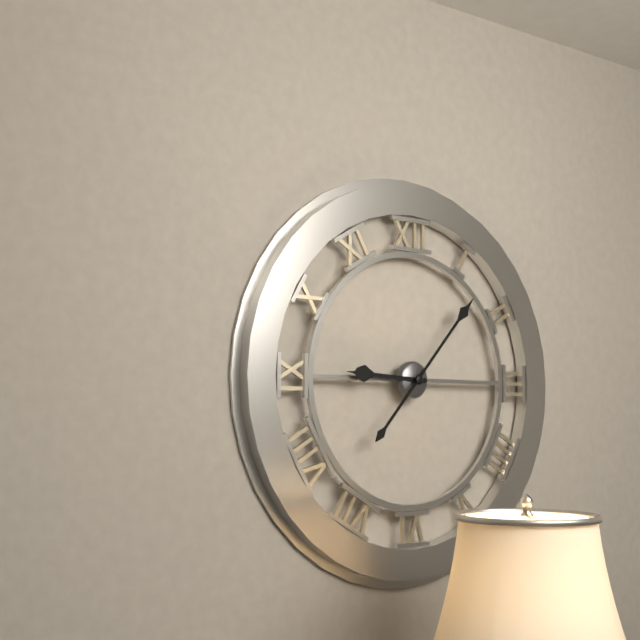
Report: 9:07
